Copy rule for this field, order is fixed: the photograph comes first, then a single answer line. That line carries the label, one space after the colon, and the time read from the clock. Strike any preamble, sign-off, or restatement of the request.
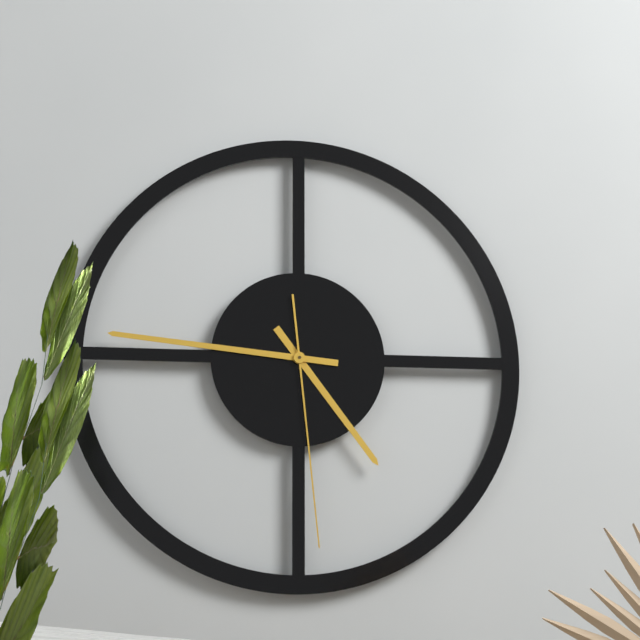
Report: 4:46:29
